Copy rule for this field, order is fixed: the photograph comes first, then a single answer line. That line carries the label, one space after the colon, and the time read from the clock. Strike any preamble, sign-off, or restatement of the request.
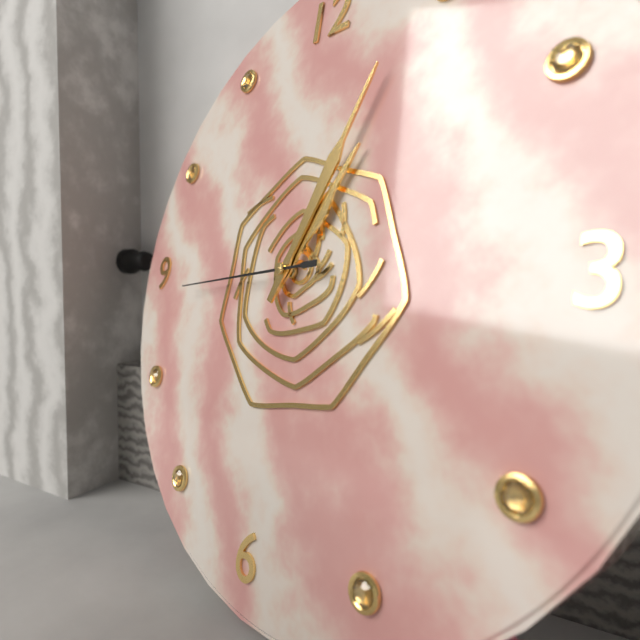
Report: 1:04:44
